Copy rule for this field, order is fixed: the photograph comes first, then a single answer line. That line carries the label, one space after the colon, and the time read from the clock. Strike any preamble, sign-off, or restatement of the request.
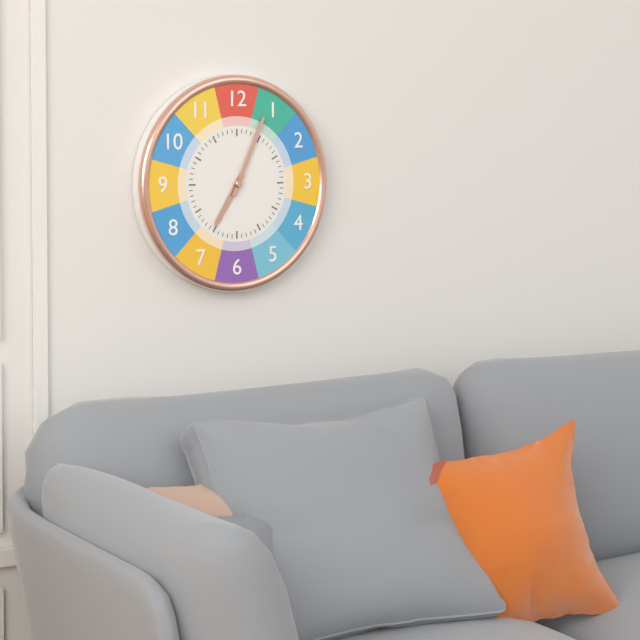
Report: 7:04
